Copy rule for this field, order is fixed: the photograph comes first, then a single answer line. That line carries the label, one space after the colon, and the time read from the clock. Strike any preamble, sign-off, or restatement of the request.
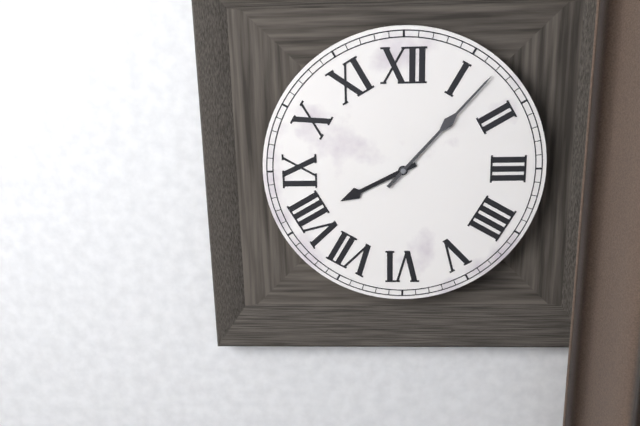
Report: 8:07
